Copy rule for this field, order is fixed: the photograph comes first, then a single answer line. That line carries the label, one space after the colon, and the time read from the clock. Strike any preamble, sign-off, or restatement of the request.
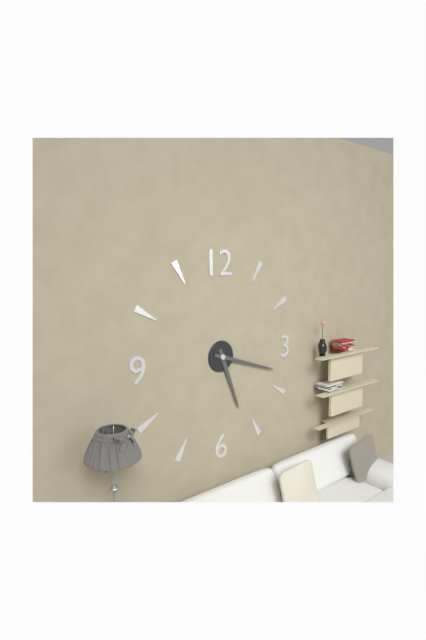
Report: 5:18
